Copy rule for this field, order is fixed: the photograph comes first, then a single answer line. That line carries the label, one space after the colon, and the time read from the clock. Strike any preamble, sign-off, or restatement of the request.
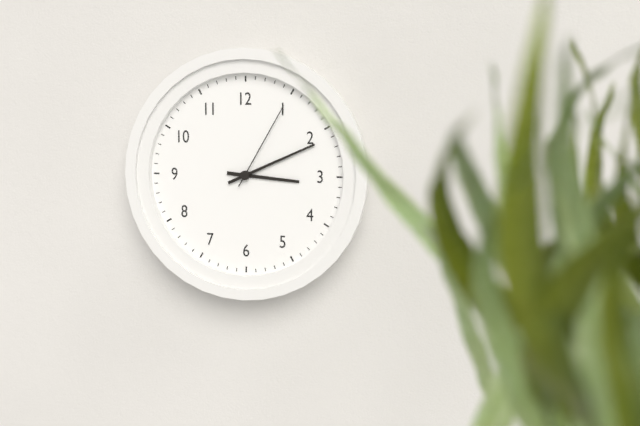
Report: 3:11:05
